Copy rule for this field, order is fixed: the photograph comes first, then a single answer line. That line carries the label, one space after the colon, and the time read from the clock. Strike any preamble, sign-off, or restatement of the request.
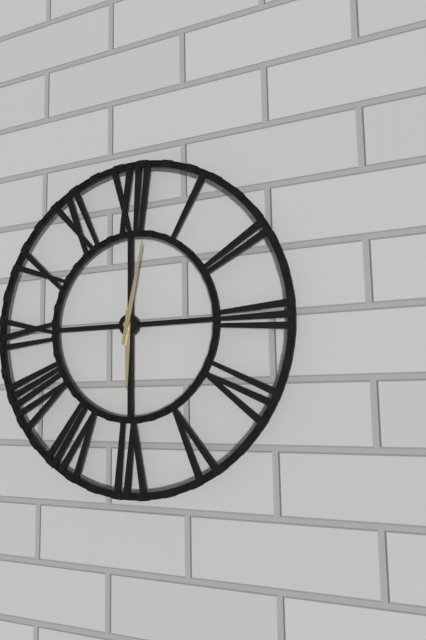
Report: 6:02
